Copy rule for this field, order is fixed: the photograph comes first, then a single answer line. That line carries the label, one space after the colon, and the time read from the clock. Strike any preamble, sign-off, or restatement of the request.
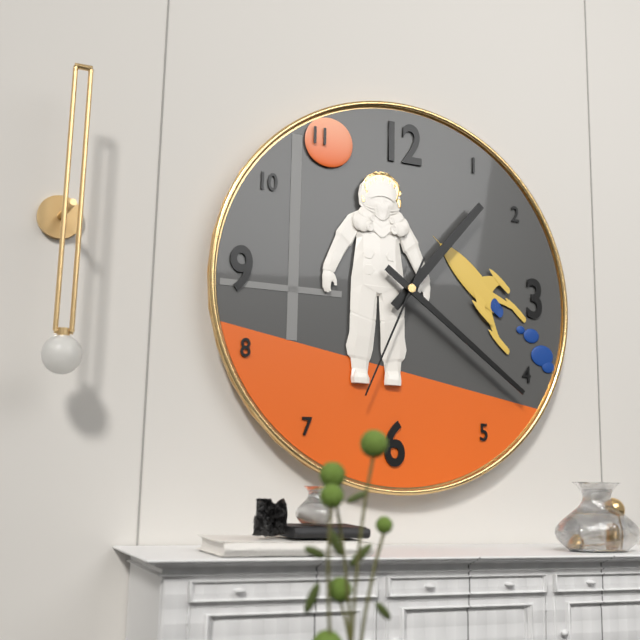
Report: 1:21:34
